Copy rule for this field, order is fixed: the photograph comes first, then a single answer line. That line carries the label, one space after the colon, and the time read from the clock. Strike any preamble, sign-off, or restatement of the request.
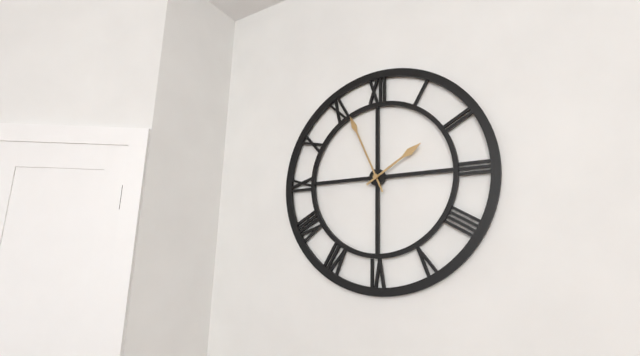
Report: 1:56
